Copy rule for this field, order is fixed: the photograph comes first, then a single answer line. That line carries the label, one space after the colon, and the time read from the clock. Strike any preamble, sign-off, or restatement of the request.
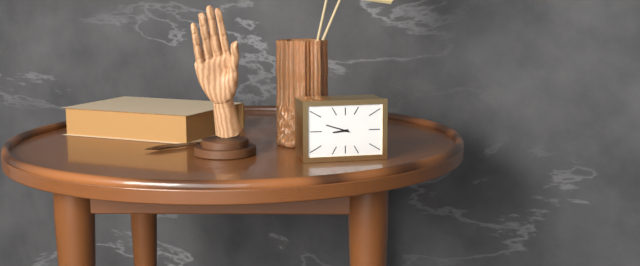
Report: 8:48
